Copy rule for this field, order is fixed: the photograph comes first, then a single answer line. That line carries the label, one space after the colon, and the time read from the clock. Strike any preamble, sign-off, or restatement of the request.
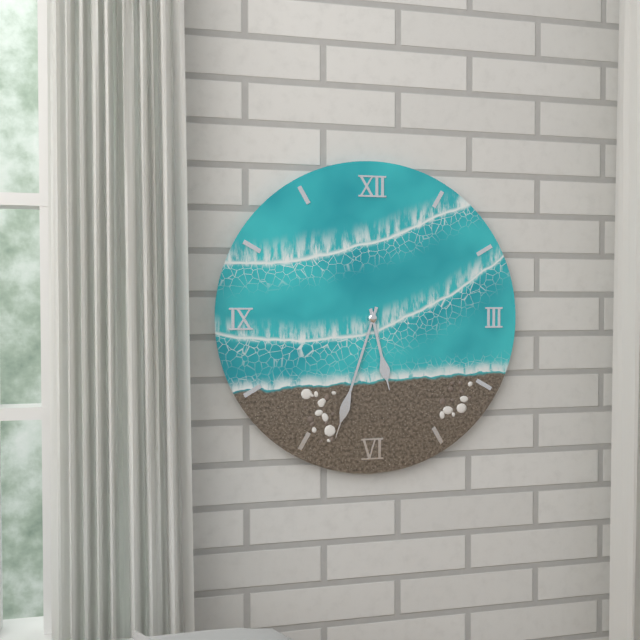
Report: 5:33
